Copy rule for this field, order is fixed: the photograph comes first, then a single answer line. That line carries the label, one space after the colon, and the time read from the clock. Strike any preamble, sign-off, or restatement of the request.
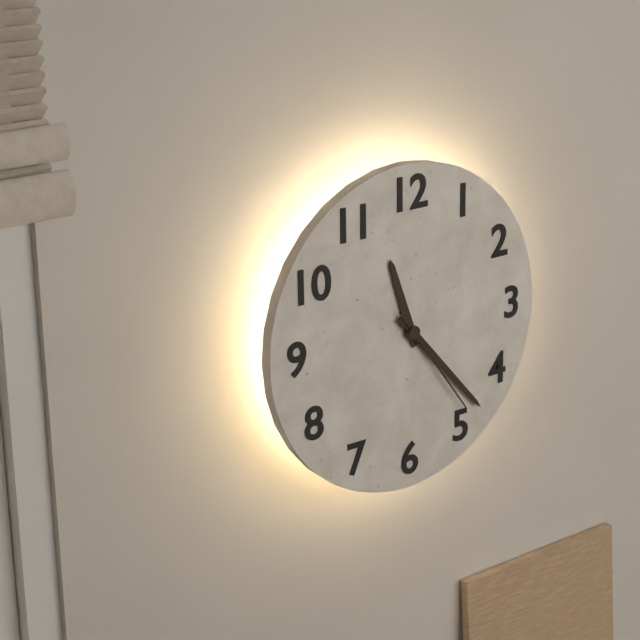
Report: 11:23:24
